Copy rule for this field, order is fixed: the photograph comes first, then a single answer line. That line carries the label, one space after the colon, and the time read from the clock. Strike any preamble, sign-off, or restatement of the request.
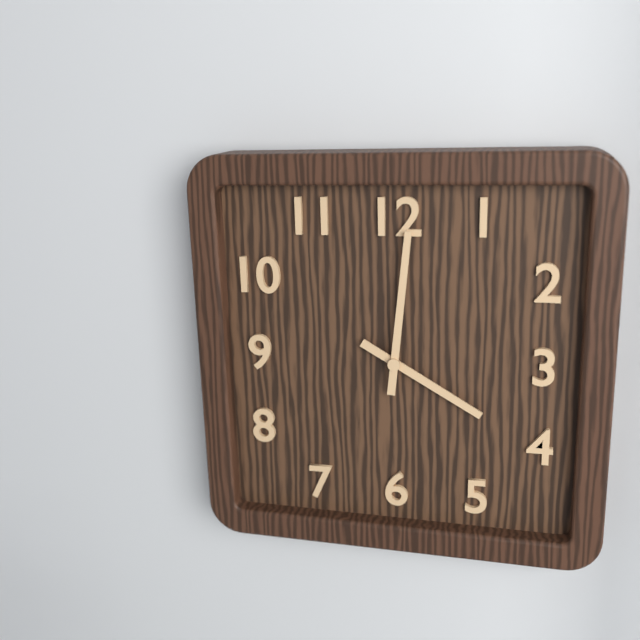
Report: 4:01
